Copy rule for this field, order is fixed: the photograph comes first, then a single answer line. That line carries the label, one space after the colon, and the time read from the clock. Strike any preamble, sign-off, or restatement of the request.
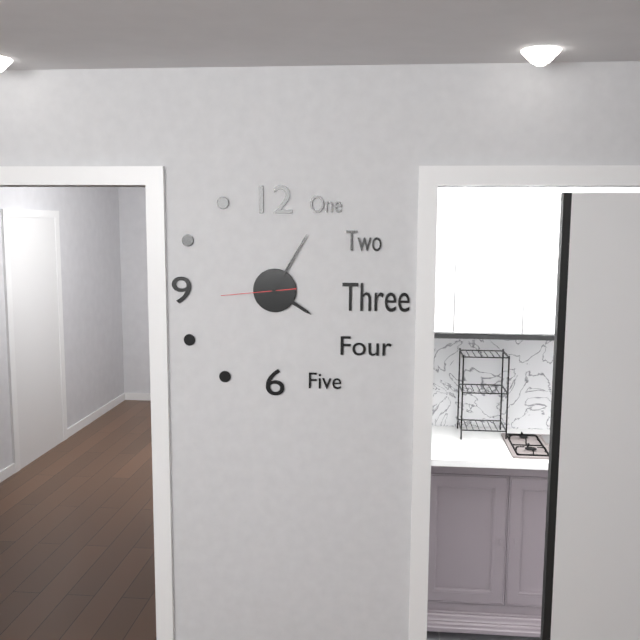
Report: 4:05:44
